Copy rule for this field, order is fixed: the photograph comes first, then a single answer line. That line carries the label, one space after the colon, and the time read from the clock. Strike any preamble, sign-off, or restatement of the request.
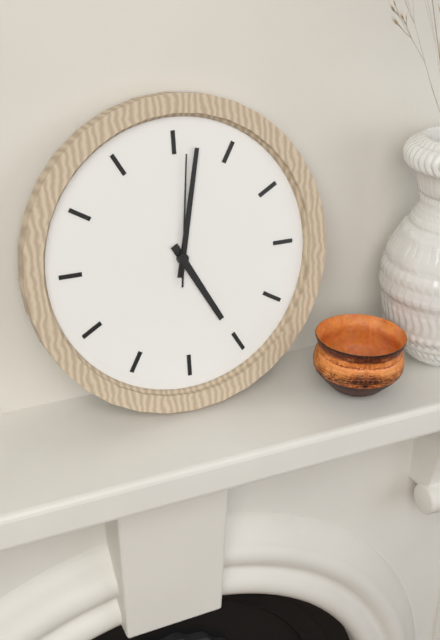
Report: 5:02:01
